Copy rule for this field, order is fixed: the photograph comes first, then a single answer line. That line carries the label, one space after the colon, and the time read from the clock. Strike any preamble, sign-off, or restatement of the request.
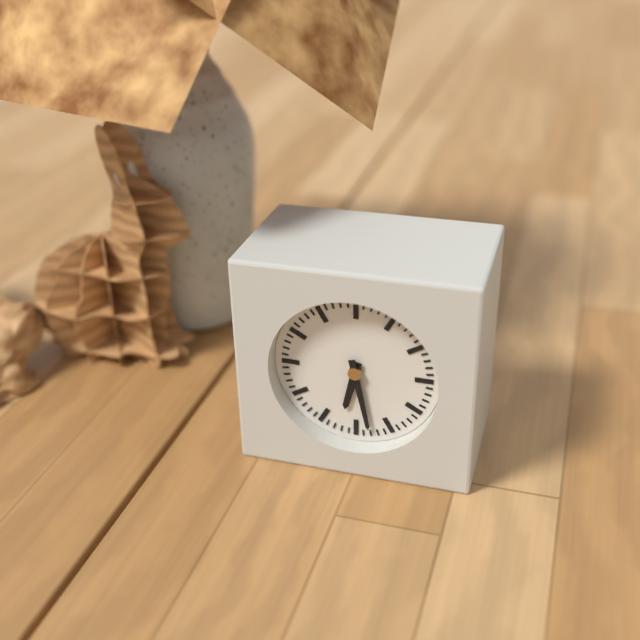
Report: 6:28
